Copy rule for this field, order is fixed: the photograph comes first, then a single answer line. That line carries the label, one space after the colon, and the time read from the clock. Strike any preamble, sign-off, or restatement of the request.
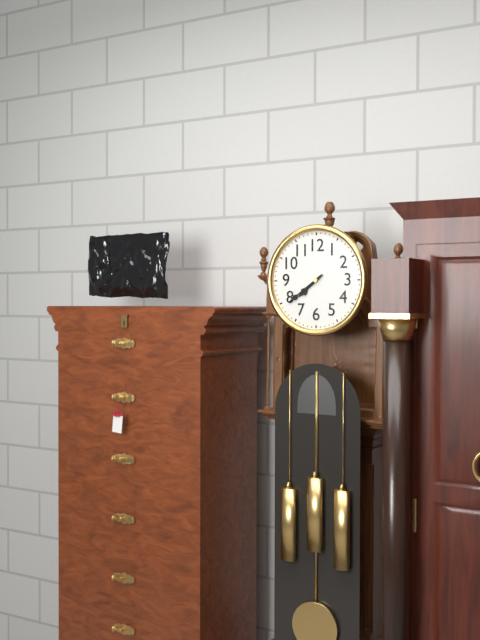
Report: 7:39
